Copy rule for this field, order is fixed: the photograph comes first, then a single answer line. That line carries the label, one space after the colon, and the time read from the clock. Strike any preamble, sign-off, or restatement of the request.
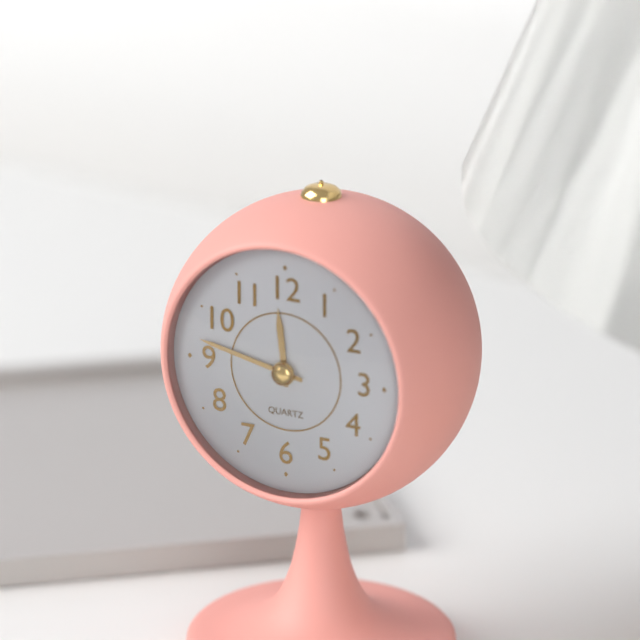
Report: 11:47
